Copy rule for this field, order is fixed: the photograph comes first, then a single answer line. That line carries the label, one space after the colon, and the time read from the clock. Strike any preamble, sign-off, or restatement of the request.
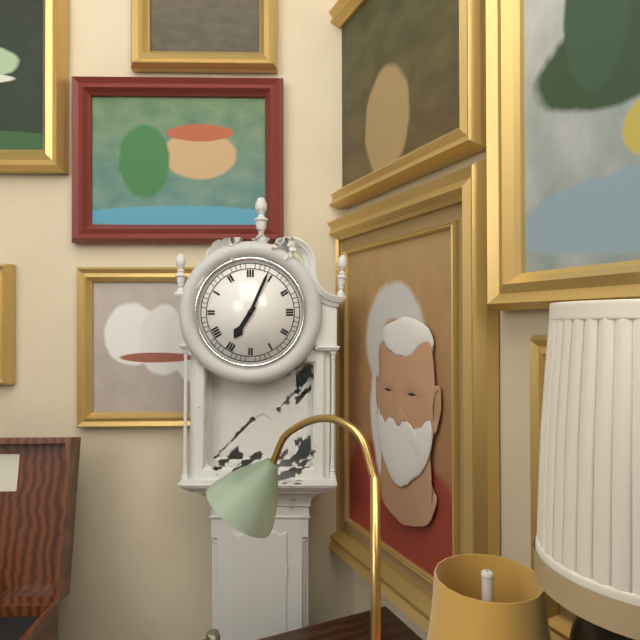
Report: 7:04
